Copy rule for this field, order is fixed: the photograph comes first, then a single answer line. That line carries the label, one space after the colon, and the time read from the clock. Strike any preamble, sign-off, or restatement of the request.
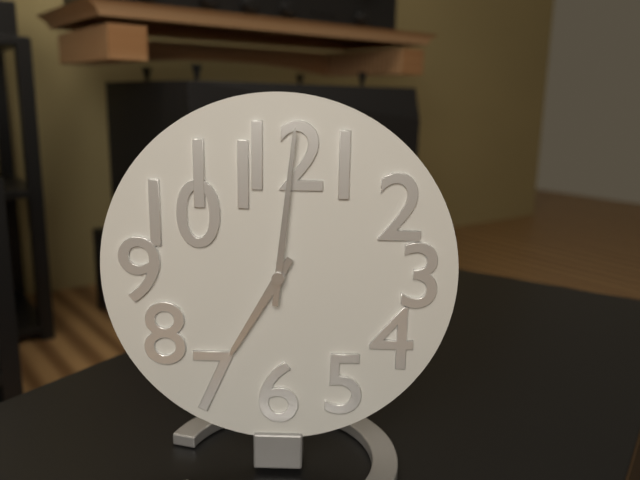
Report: 7:01
